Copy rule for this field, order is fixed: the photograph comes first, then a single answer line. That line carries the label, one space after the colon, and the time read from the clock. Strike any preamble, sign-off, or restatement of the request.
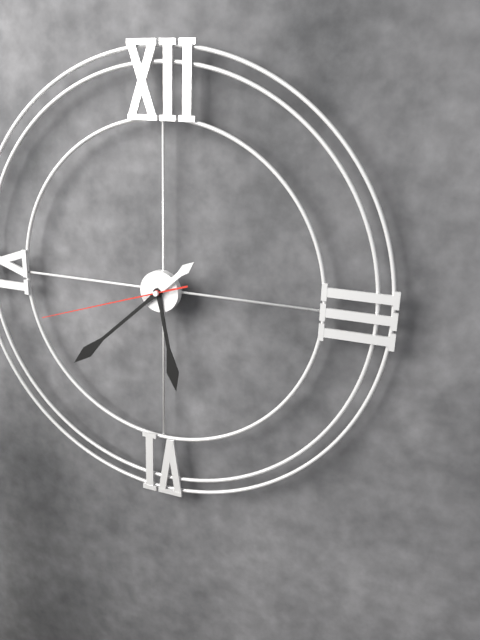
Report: 5:38:42
